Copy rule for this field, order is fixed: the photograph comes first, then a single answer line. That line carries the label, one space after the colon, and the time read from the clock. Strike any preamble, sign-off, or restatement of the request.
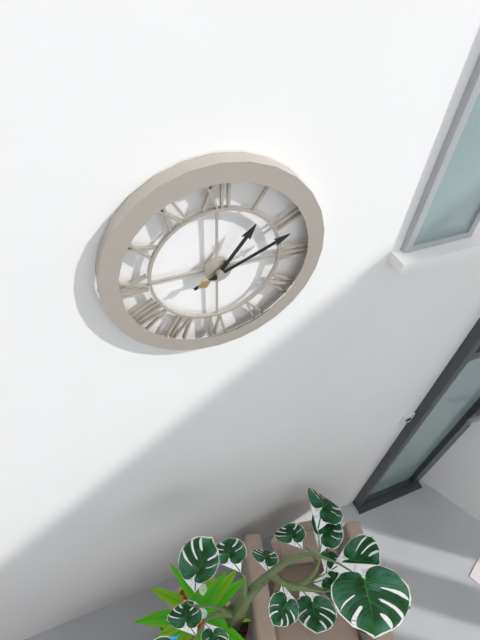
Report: 1:11
